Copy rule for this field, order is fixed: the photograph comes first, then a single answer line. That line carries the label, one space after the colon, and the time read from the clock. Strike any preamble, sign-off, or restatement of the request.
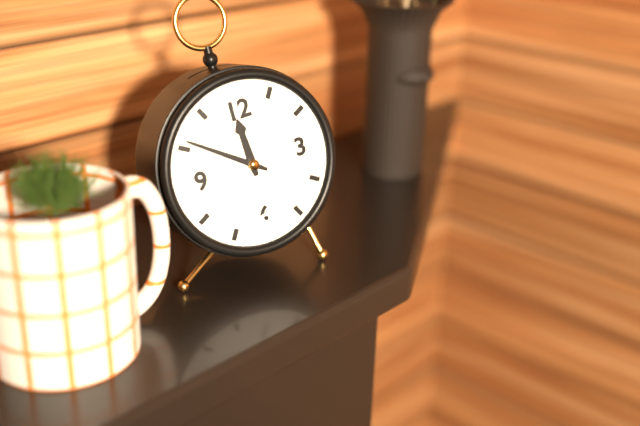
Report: 11:51
